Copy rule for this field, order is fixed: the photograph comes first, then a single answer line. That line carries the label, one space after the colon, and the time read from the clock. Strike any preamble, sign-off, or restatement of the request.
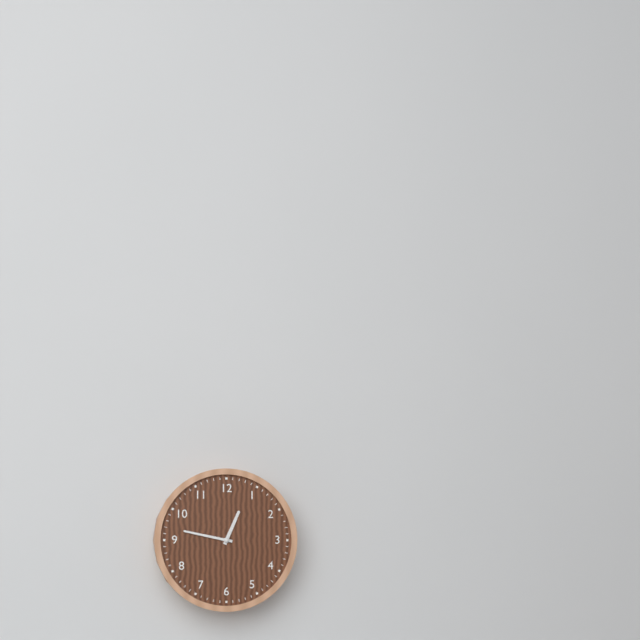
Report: 12:47
